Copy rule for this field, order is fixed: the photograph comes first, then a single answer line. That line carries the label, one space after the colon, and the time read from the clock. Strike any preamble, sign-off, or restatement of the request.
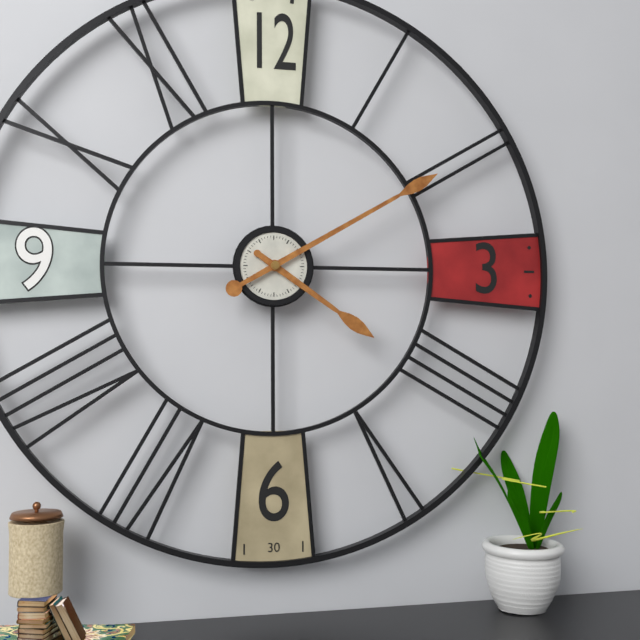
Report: 4:10
